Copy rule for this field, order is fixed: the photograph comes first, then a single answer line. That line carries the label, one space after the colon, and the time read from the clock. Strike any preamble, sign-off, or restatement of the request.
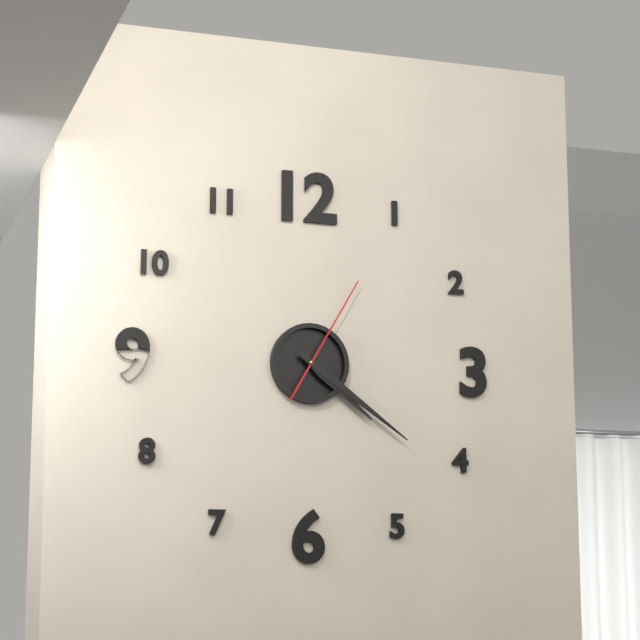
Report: 4:21:05
